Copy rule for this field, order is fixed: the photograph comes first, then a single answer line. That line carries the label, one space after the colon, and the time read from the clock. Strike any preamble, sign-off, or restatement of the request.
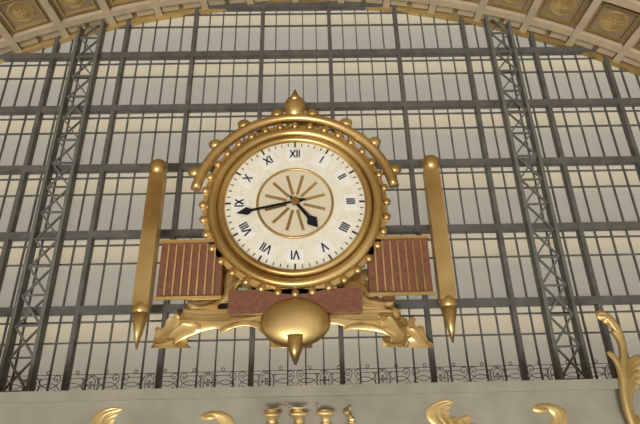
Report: 4:43
